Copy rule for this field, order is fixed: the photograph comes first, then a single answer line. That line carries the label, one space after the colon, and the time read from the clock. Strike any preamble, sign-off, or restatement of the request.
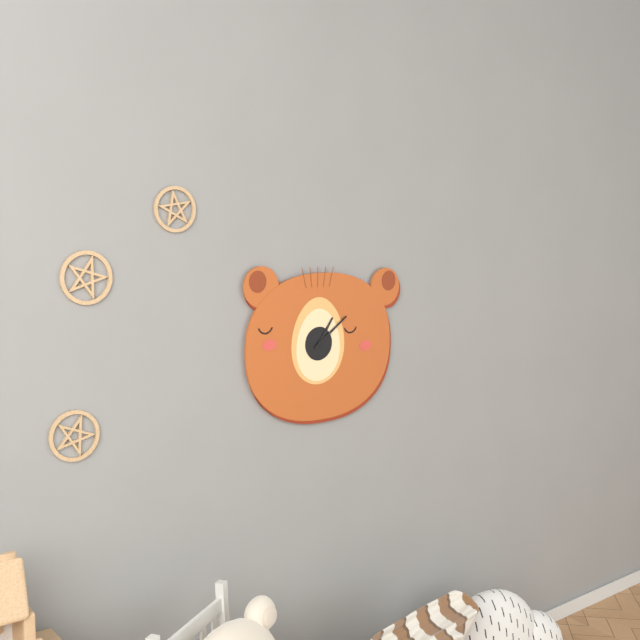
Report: 1:09
